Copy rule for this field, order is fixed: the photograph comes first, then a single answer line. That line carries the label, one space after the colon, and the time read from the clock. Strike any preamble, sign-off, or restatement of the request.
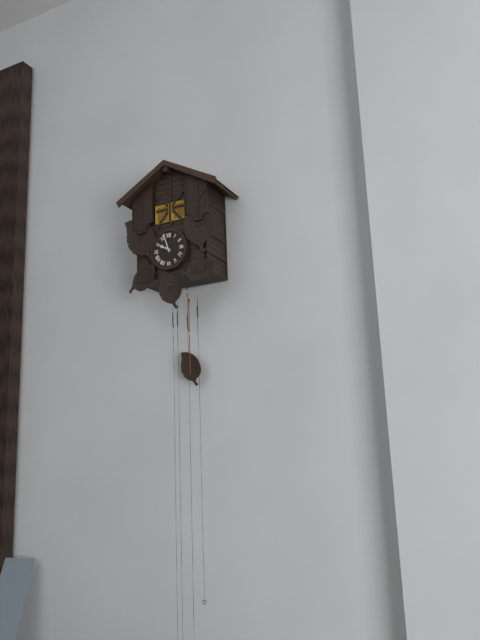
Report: 9:57
